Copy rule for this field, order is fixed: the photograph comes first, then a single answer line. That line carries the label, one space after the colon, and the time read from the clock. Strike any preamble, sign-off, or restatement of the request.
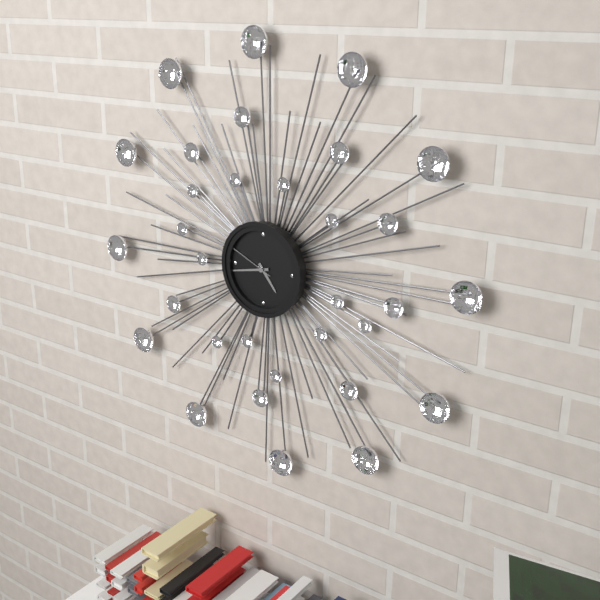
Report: 4:43
